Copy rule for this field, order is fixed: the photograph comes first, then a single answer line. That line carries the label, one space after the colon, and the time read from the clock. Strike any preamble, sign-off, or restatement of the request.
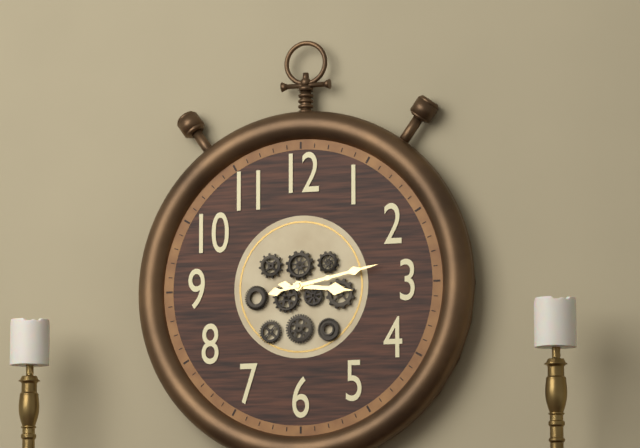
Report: 3:13
